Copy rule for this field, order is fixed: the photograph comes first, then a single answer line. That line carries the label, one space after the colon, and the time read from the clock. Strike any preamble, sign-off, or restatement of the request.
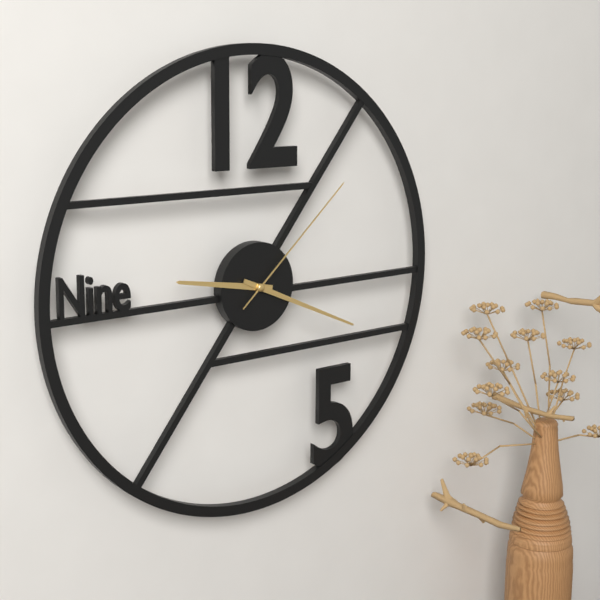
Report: 9:19:08
